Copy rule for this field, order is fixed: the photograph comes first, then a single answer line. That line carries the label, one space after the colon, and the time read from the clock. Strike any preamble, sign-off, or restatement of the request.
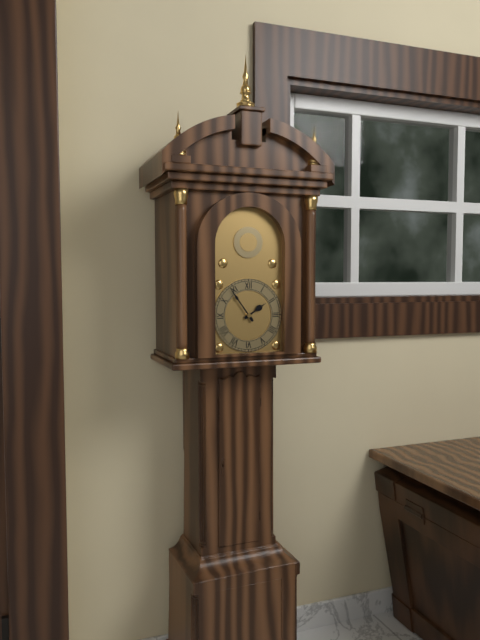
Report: 1:54
